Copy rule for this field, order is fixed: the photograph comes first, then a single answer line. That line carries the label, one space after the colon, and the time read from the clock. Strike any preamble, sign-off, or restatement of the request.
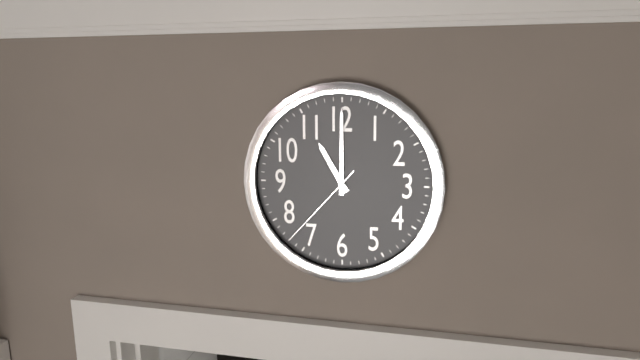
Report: 11:00:37
